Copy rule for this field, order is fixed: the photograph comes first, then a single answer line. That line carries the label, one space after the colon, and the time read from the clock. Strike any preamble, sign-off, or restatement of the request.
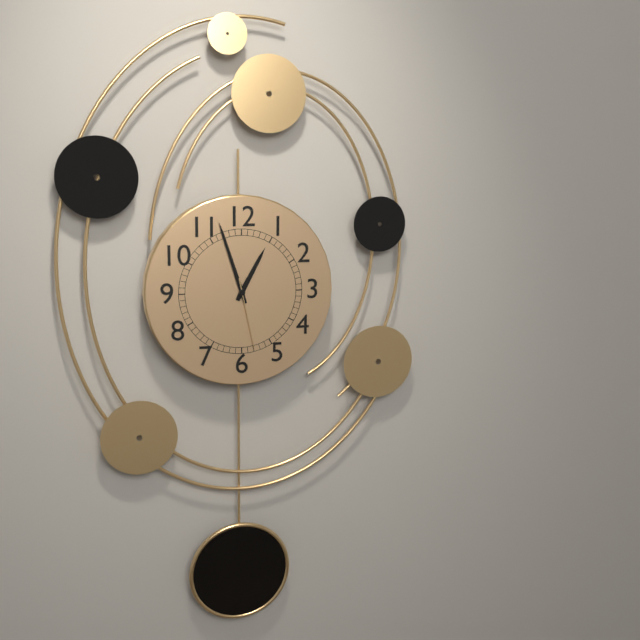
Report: 12:57:28
